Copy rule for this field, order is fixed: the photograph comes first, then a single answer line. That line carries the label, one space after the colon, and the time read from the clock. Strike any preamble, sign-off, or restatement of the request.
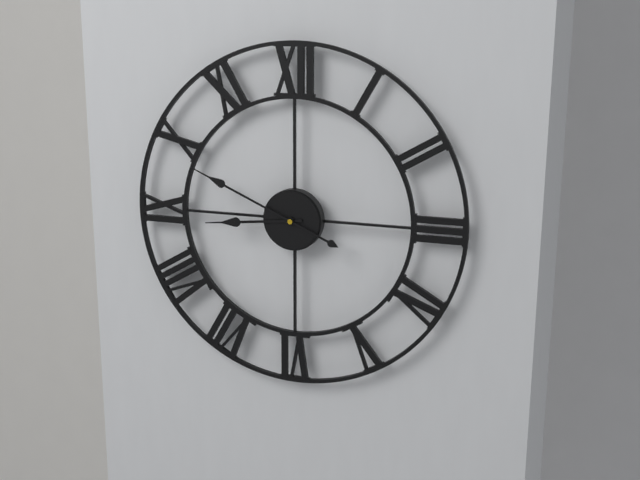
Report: 8:49
